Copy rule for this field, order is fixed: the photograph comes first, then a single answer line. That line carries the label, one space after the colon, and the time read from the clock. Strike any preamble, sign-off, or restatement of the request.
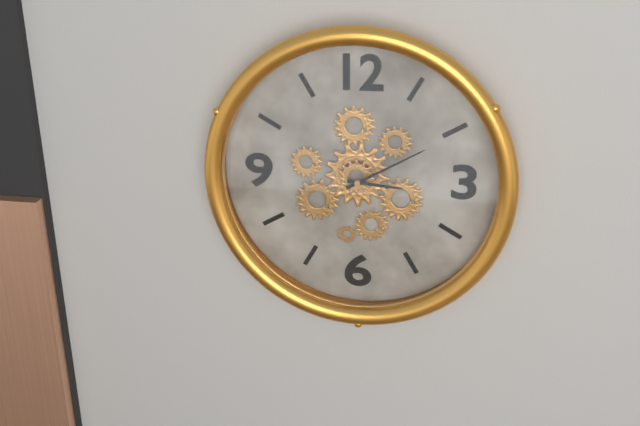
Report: 3:10
